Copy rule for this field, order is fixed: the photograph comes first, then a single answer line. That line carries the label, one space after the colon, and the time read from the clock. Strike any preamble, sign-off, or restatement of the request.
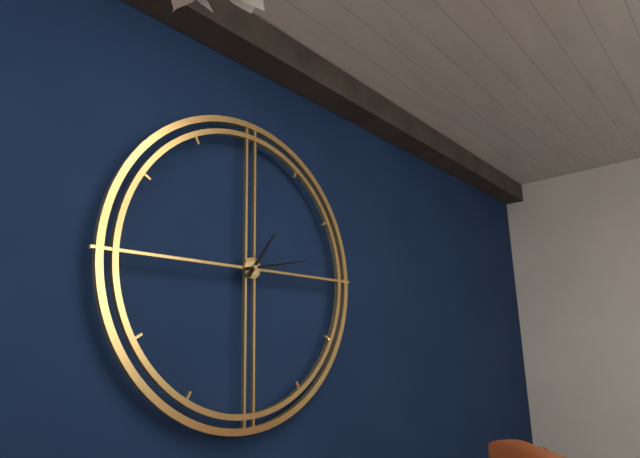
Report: 1:13
